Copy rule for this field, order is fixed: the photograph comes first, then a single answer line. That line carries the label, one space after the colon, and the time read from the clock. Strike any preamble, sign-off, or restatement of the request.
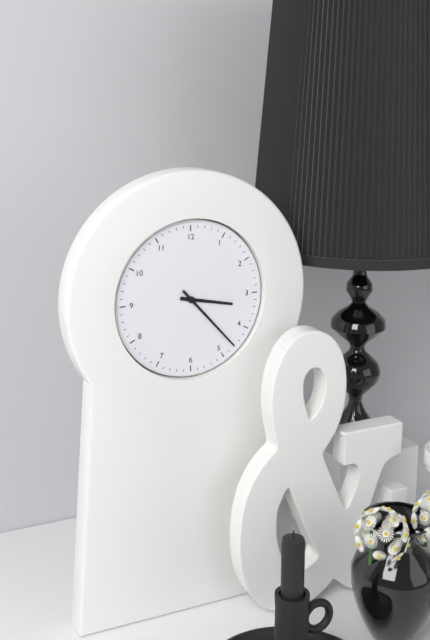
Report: 3:23
